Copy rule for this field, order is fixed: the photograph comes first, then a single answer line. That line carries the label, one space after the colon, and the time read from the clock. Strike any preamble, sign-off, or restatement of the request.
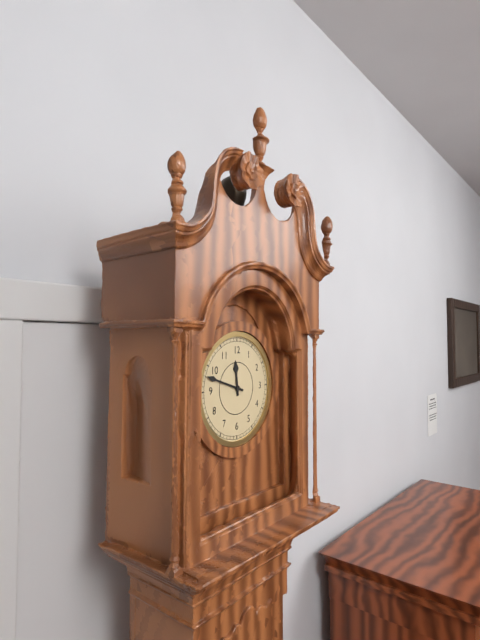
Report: 11:48
